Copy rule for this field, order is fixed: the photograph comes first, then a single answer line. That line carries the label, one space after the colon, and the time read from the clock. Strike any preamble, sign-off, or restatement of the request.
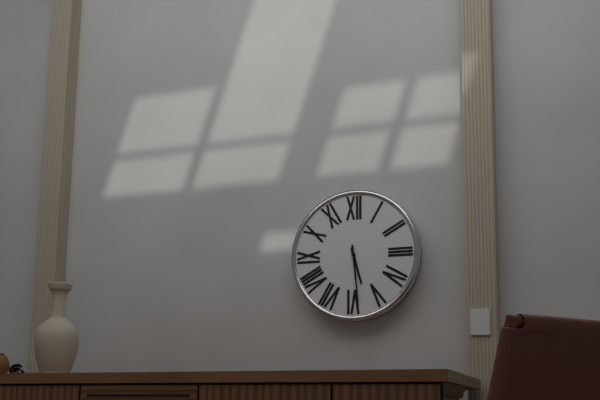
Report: 5:29
